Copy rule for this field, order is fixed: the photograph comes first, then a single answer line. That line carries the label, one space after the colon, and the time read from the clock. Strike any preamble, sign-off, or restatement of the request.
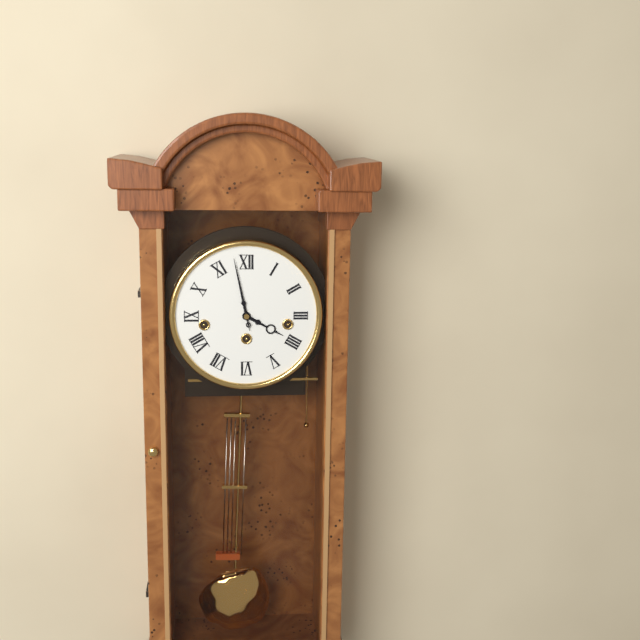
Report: 3:58
